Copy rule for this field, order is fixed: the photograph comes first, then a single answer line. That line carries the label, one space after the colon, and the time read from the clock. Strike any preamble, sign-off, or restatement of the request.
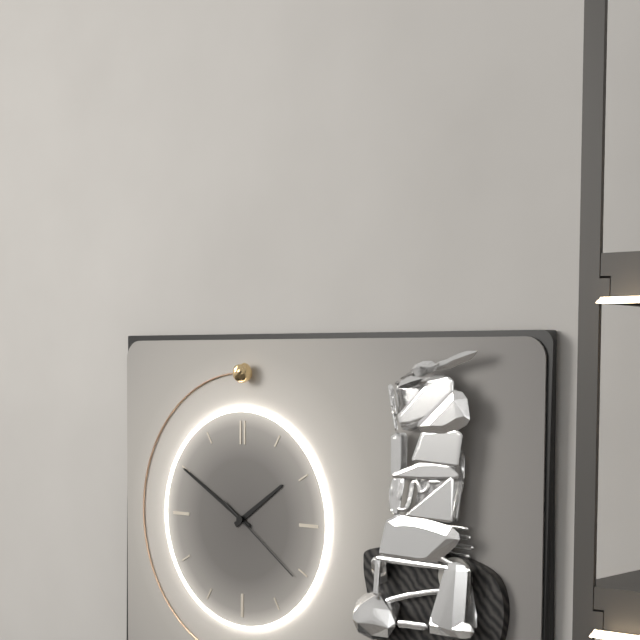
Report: 1:50:21
